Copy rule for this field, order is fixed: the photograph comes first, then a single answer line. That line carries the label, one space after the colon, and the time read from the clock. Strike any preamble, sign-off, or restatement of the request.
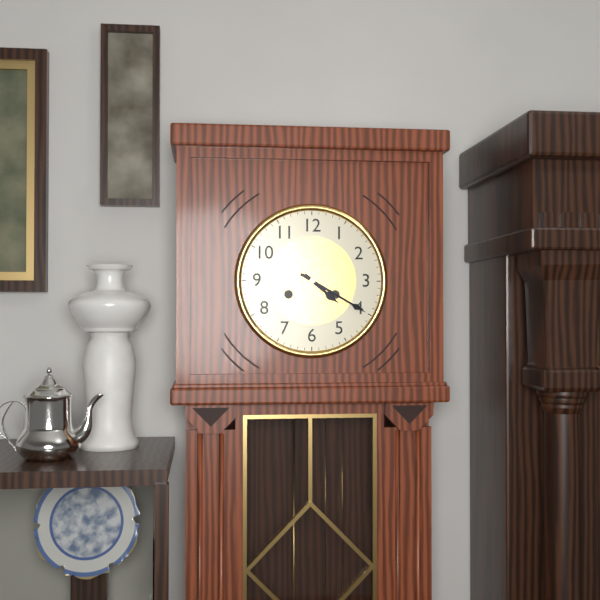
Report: 4:20
